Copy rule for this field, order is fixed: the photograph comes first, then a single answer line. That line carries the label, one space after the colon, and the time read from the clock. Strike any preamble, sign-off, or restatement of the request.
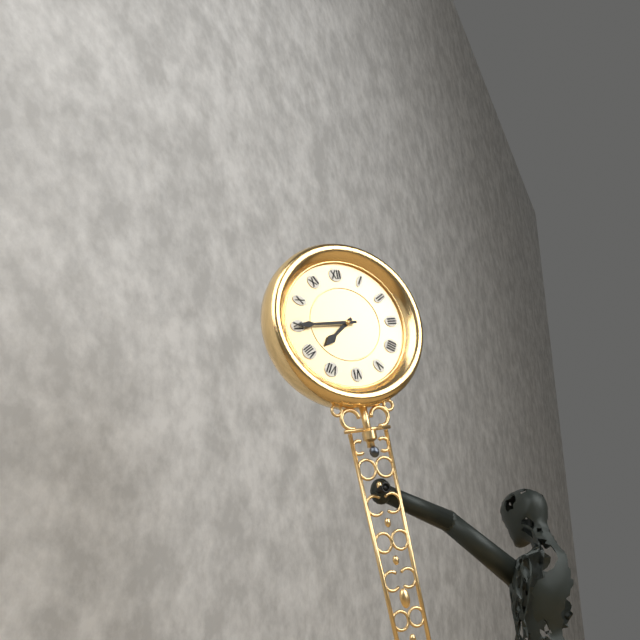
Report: 7:45
